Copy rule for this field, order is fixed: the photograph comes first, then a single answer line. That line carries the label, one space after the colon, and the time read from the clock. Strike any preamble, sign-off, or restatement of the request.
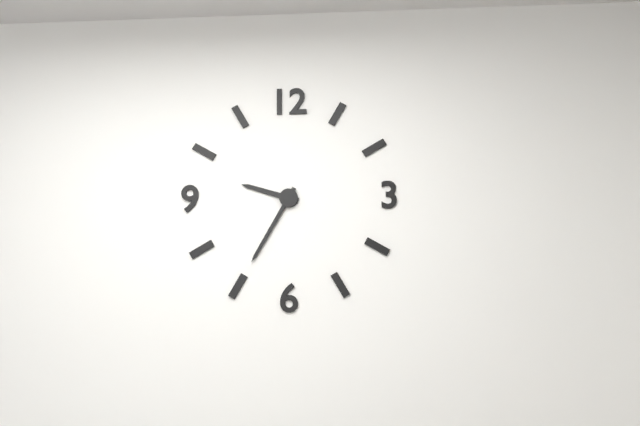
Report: 9:35
